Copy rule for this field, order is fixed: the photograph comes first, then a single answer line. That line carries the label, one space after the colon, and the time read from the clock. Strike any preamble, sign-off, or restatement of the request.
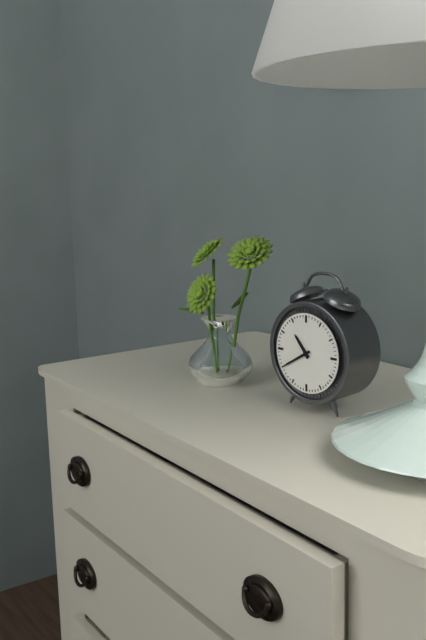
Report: 10:40
